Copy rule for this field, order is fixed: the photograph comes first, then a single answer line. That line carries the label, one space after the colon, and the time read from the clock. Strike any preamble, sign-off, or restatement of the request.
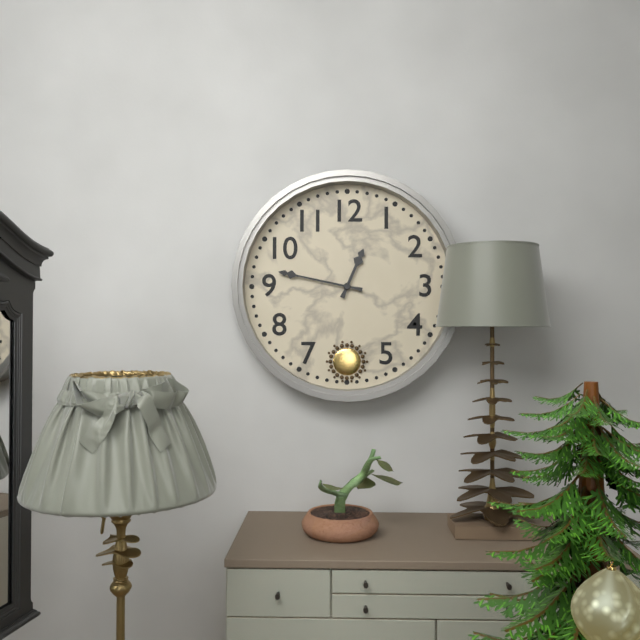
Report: 12:47
